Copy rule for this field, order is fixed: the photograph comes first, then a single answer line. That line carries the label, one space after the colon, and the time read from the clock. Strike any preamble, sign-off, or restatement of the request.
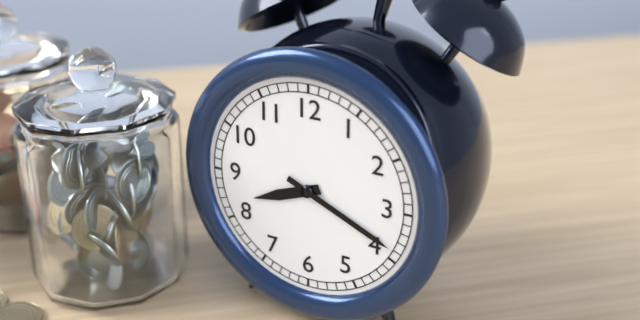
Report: 8:19
